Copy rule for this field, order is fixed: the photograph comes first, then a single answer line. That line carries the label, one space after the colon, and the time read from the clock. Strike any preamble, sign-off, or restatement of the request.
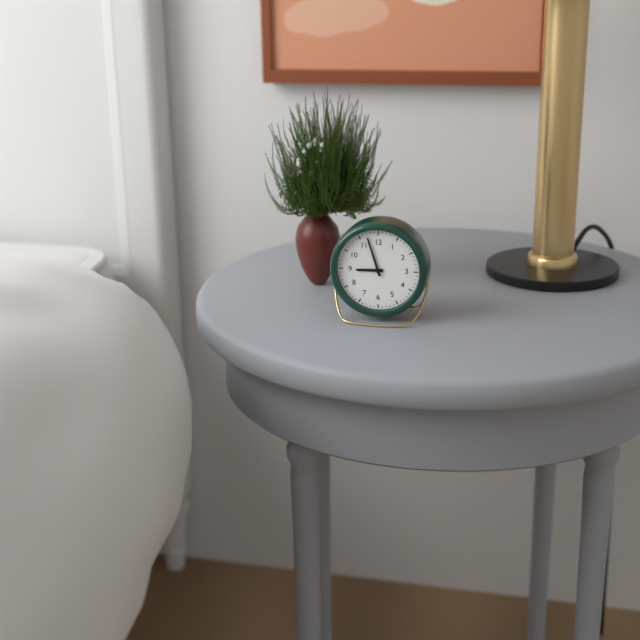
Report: 8:57
